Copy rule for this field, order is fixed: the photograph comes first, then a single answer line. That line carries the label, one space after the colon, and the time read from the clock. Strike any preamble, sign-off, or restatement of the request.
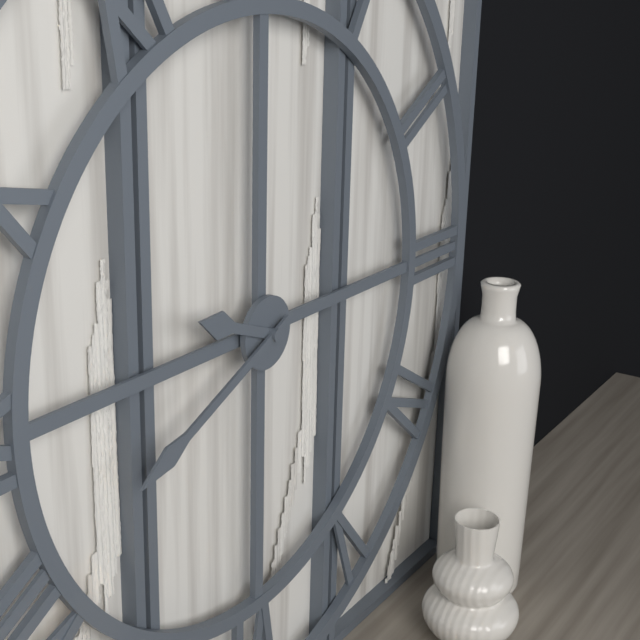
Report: 9:41
